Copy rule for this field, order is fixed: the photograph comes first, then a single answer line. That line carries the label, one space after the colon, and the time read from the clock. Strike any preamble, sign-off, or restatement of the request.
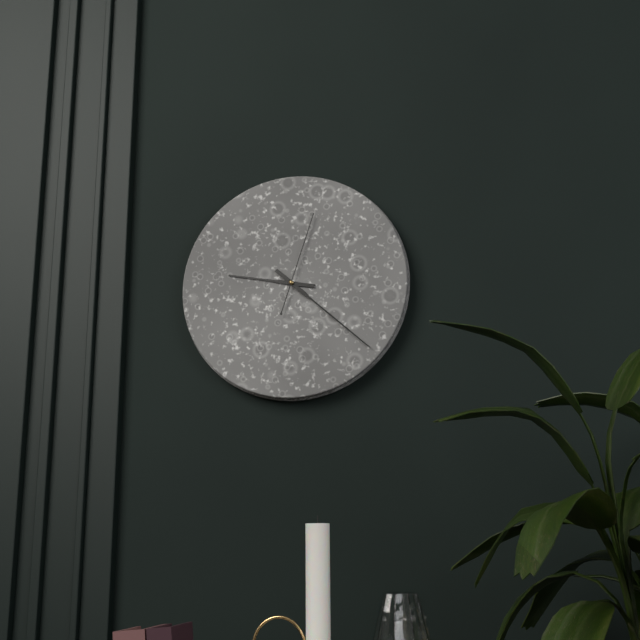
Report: 9:22:03
